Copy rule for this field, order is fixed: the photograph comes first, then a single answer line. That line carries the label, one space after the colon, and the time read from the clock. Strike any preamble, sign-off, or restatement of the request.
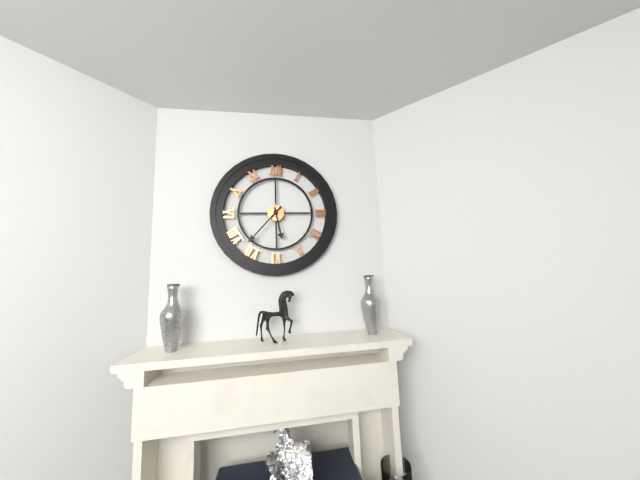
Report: 5:37
